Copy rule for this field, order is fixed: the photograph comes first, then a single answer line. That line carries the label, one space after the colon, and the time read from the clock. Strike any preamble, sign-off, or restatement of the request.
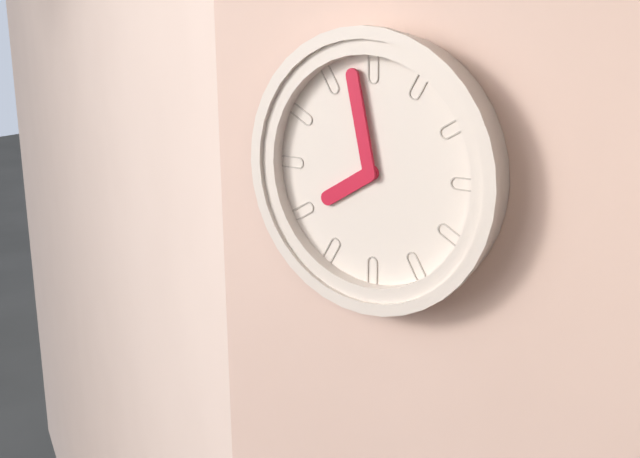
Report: 7:58
